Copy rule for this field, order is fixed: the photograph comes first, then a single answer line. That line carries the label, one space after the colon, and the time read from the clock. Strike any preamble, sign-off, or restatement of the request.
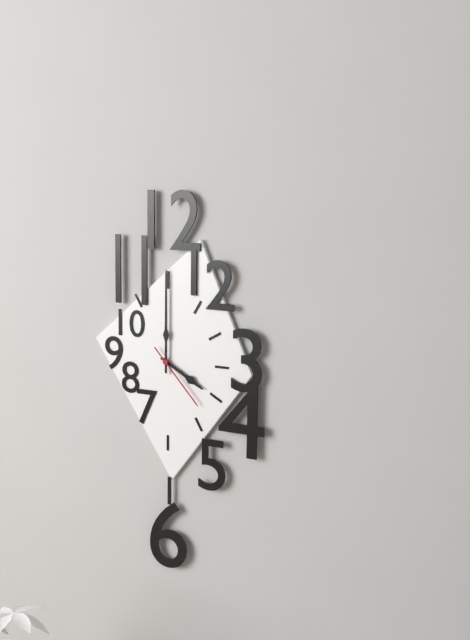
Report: 4:00:23
